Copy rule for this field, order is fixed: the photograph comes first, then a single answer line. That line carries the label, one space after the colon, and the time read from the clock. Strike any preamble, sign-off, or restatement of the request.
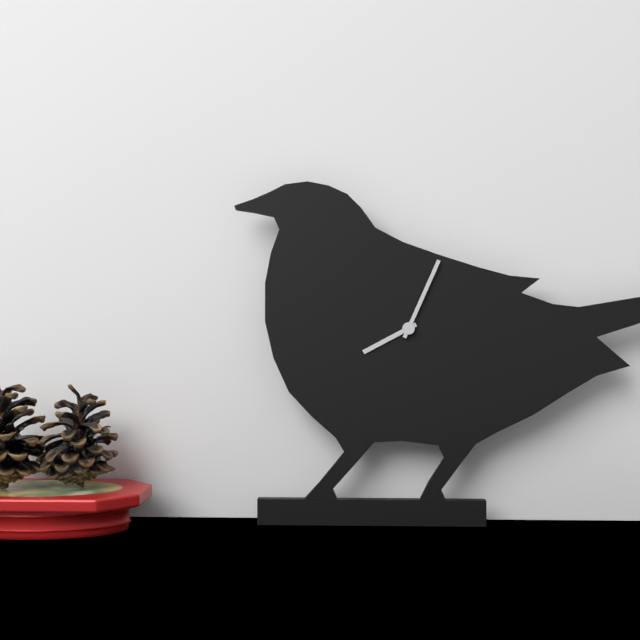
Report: 8:04
